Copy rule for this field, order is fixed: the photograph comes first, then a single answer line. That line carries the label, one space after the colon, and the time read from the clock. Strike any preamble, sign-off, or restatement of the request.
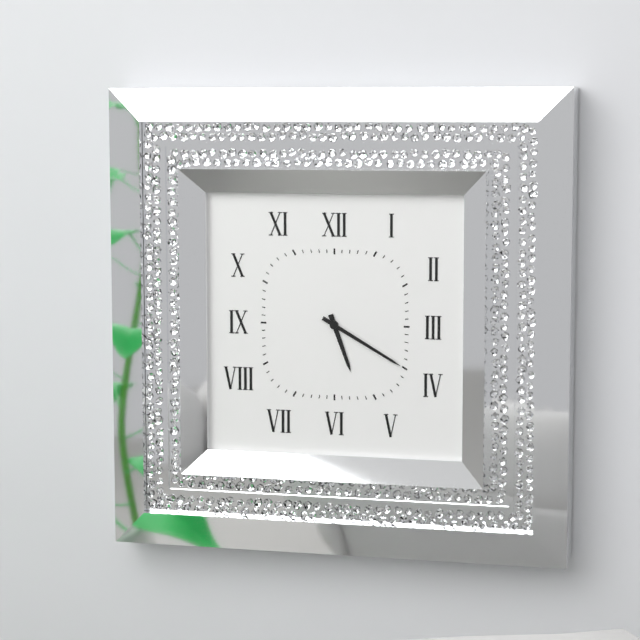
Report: 5:20
